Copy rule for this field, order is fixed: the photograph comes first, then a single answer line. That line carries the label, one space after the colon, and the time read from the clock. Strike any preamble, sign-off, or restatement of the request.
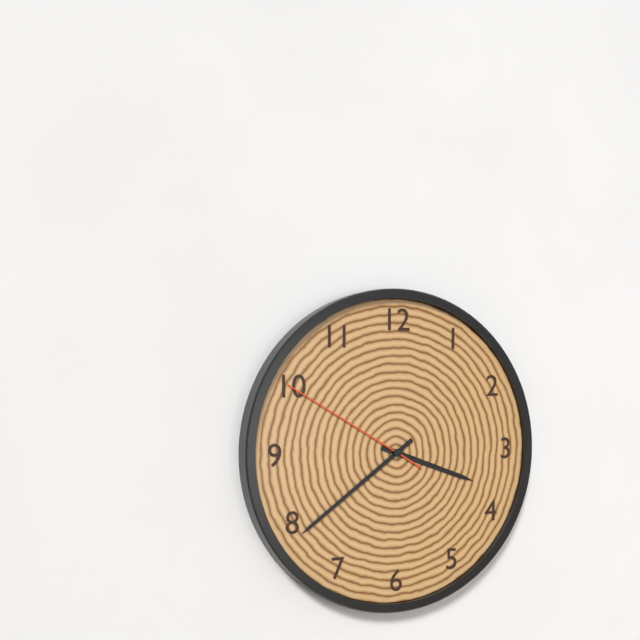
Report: 3:39:50
